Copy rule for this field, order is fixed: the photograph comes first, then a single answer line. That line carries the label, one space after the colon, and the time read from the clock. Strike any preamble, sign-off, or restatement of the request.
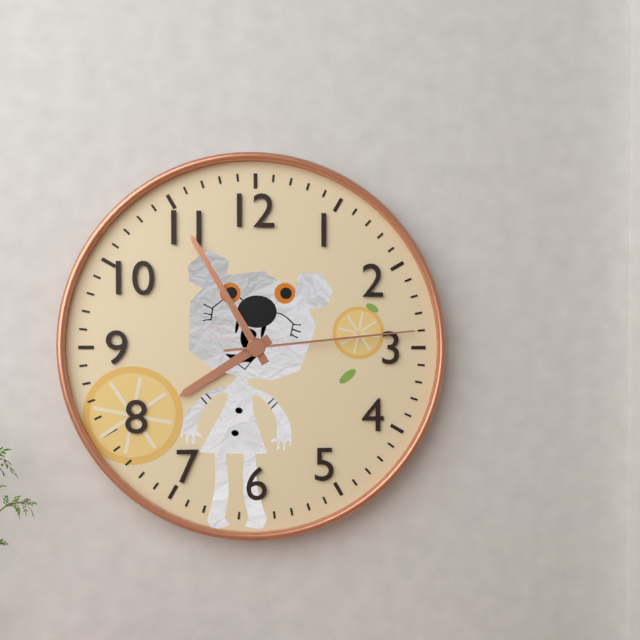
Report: 7:55:14
